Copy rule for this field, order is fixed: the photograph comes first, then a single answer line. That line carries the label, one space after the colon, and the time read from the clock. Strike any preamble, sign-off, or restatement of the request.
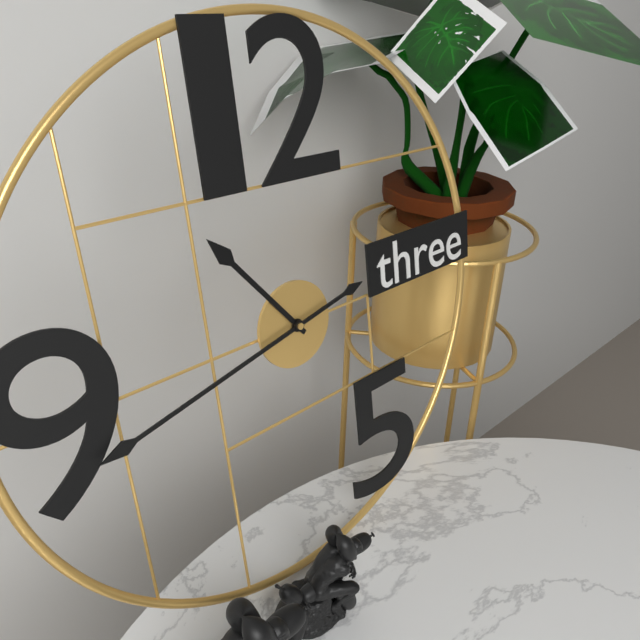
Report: 10:43
